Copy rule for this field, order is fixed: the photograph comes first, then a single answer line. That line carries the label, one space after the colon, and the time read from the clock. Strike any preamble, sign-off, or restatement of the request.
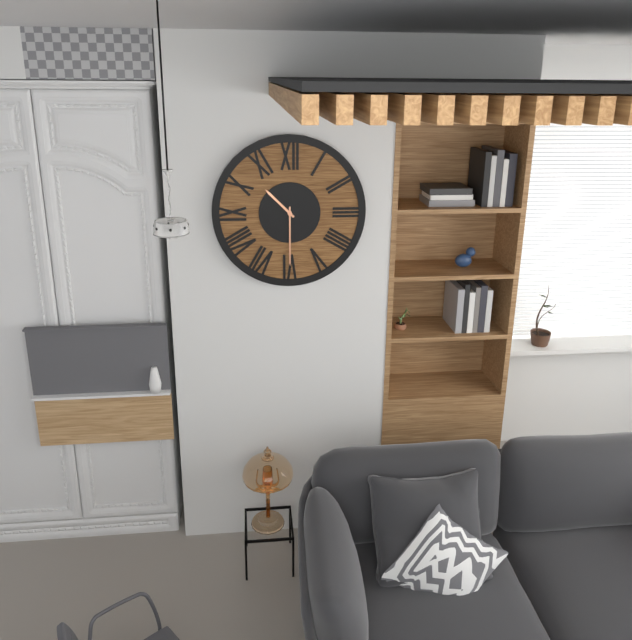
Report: 10:30
